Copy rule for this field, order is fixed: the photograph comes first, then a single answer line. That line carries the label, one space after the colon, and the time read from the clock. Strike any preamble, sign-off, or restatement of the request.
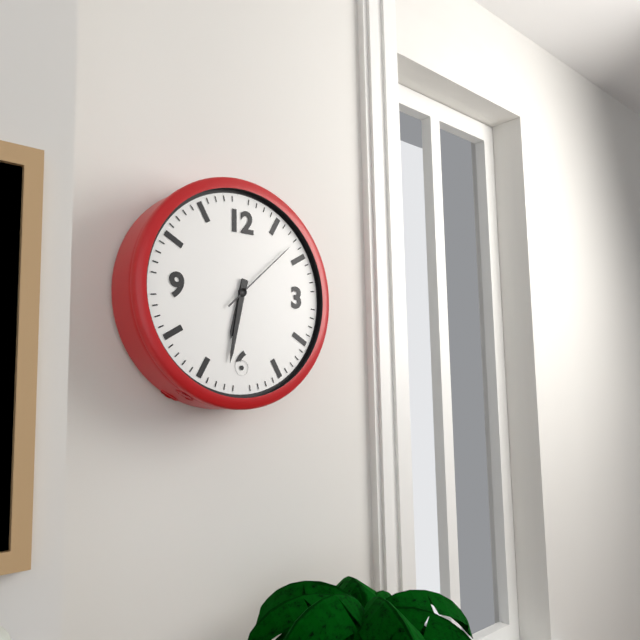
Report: 6:32:08
